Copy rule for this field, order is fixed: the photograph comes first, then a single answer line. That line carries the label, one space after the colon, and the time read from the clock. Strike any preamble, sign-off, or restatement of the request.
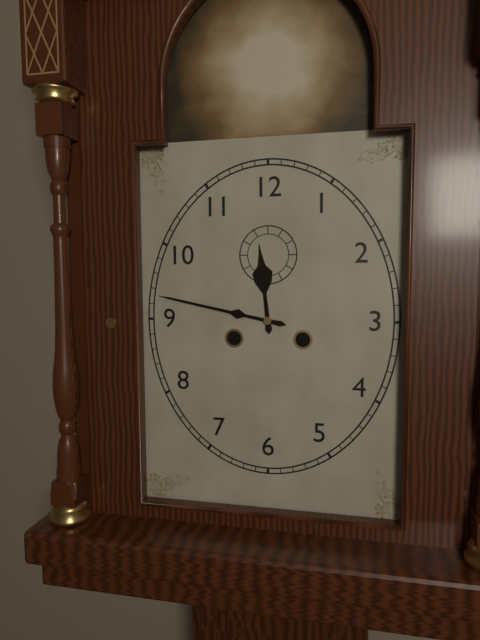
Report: 11:47
